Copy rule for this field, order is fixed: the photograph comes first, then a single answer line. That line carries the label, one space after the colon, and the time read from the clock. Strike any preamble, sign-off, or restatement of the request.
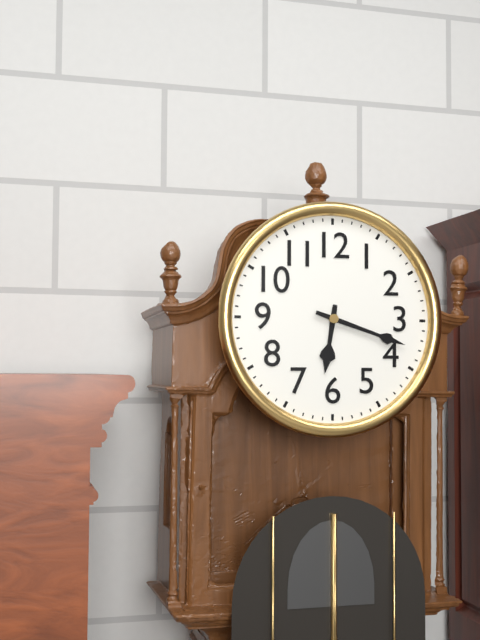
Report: 6:18
